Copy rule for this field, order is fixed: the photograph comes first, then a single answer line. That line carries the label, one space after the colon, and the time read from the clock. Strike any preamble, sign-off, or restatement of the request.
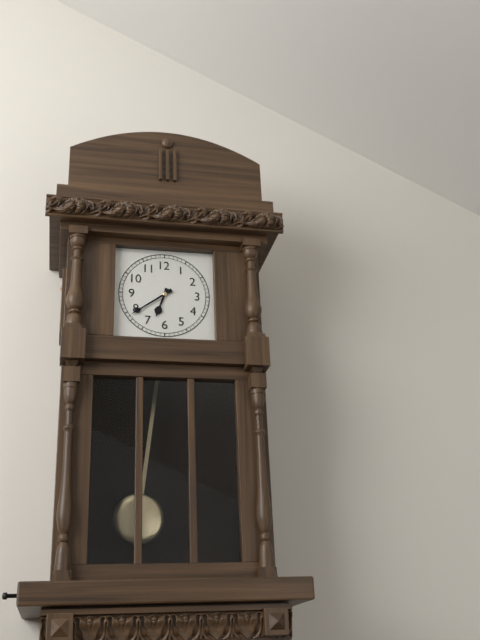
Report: 6:39
